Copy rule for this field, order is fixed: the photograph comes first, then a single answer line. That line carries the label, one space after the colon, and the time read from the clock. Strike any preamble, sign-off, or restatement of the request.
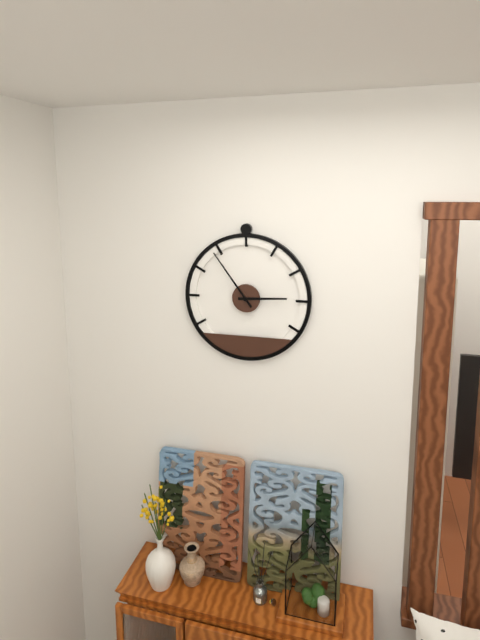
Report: 2:54
